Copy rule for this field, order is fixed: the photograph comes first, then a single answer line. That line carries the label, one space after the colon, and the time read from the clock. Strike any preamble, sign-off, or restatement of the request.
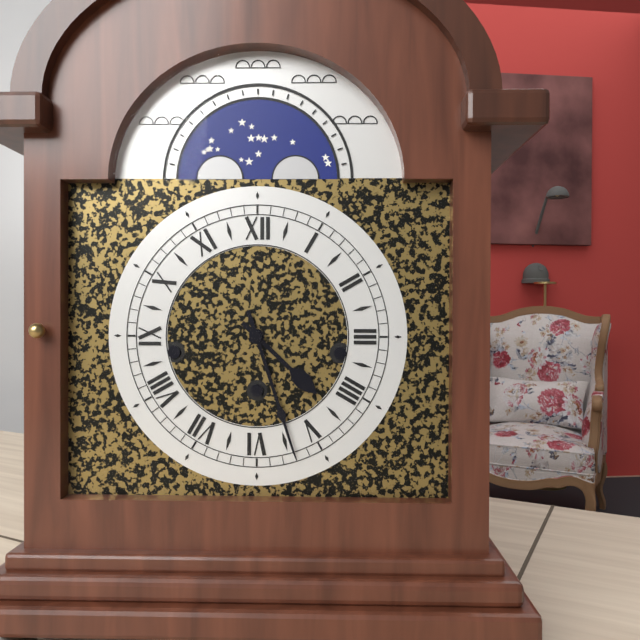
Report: 4:27
